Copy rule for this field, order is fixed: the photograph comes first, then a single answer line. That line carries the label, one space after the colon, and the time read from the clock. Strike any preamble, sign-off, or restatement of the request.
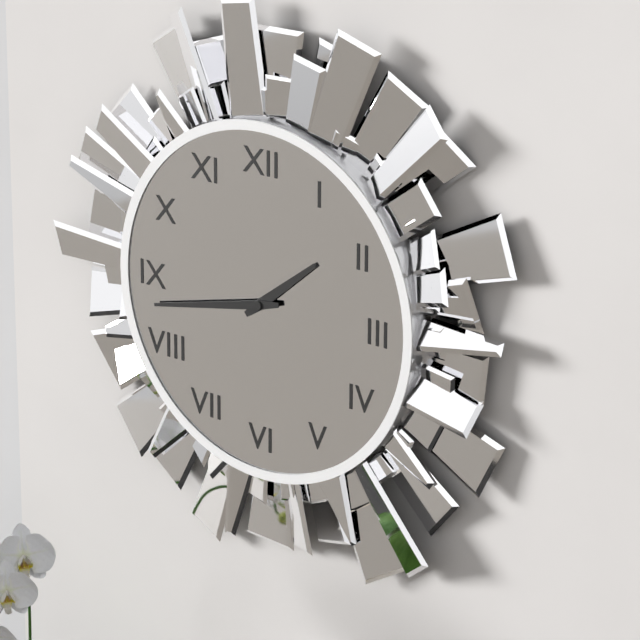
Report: 1:43
